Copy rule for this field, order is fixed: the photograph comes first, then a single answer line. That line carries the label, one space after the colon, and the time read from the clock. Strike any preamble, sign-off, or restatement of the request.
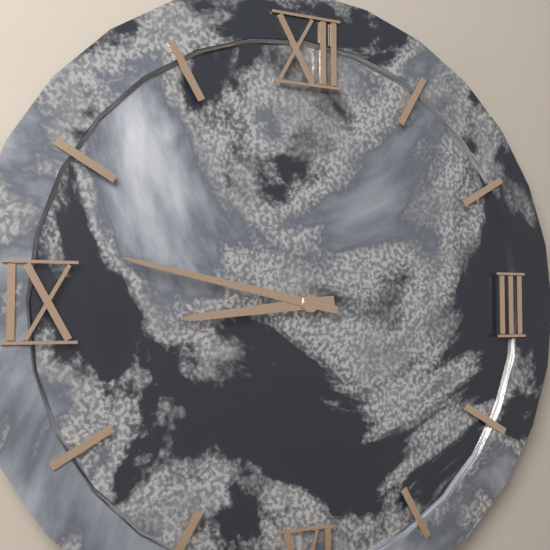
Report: 8:47
